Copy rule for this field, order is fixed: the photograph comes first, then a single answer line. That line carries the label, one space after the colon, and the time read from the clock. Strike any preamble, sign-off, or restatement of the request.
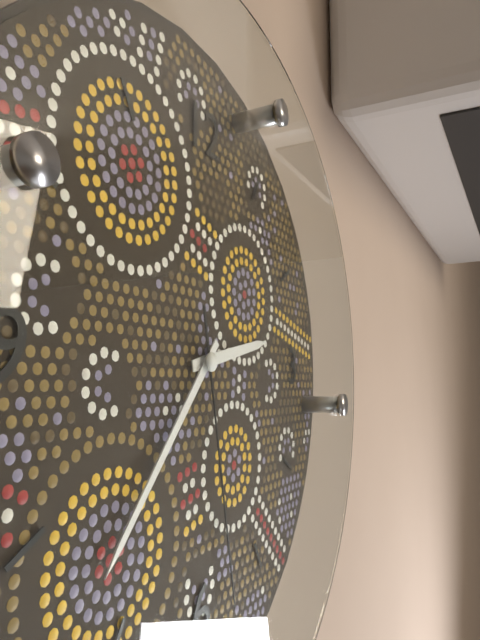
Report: 2:37:28
